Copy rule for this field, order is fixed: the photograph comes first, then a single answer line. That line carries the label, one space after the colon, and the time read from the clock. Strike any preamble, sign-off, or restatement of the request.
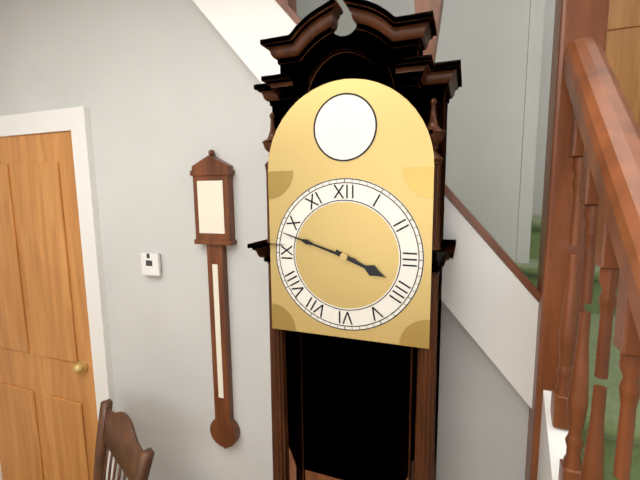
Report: 3:48
